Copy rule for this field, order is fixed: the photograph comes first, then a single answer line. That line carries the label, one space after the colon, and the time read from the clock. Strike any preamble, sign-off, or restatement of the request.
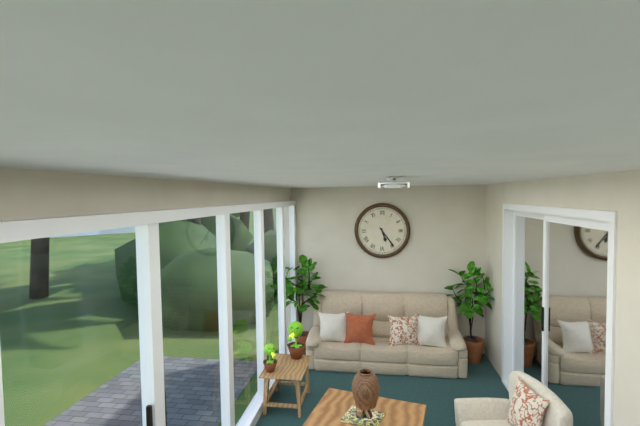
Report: 5:24
